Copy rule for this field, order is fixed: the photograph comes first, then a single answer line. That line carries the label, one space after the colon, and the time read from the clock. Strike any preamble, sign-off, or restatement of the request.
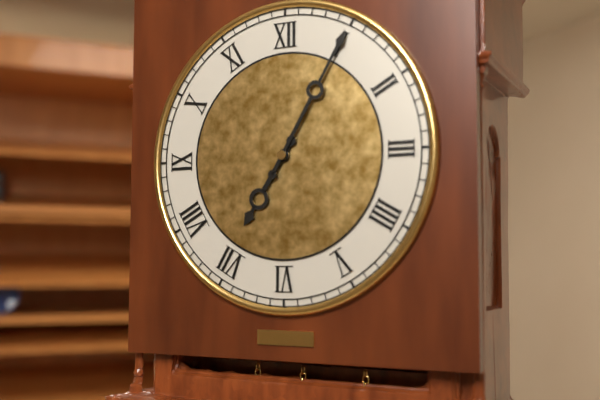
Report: 7:05
